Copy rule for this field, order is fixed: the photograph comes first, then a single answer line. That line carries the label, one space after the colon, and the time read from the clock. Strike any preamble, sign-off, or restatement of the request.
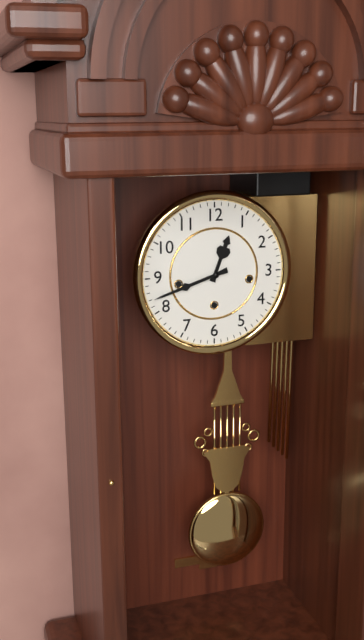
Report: 12:42
